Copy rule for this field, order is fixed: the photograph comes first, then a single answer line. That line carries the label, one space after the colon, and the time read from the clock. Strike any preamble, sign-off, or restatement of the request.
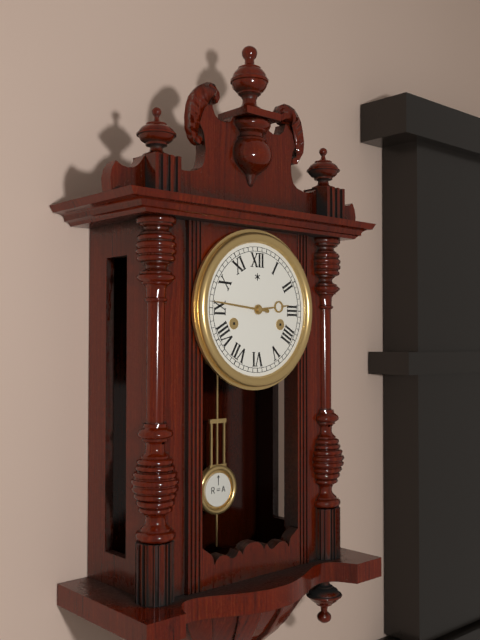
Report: 2:46
